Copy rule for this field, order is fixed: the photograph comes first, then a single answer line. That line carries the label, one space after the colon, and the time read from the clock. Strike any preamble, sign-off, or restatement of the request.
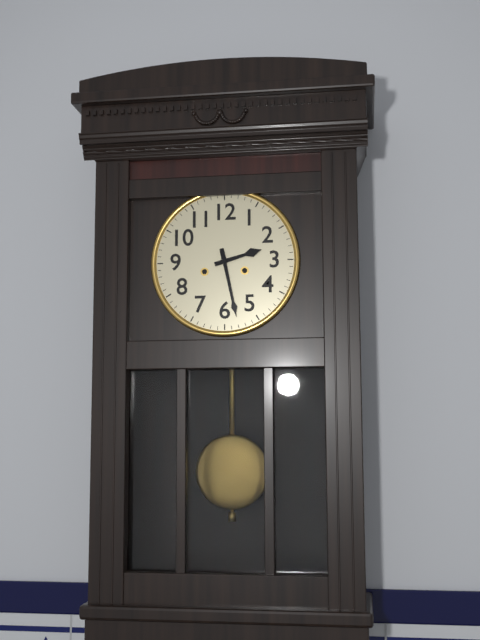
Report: 2:28
